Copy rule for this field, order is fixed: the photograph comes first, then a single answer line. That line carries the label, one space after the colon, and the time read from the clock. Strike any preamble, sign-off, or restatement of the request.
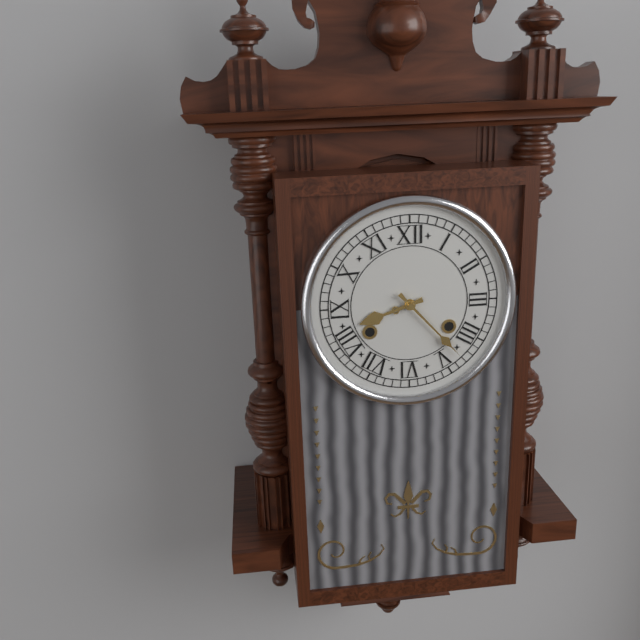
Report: 8:23
